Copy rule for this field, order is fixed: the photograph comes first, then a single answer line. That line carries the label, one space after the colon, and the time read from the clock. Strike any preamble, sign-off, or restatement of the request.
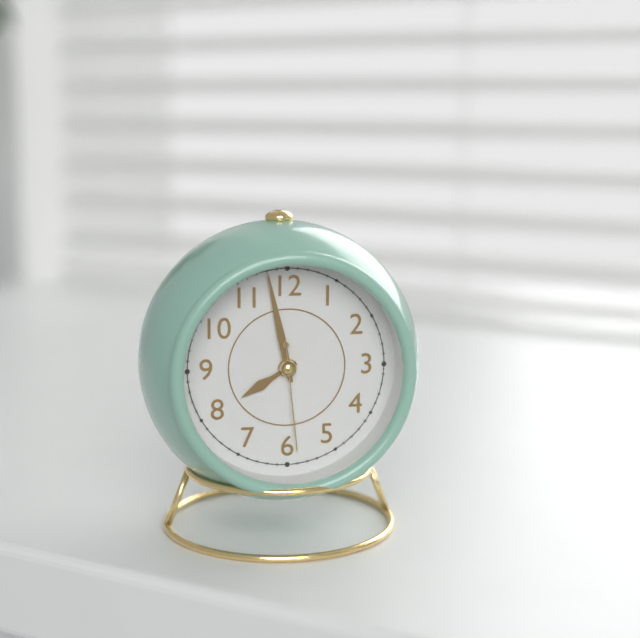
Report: 7:58:29
